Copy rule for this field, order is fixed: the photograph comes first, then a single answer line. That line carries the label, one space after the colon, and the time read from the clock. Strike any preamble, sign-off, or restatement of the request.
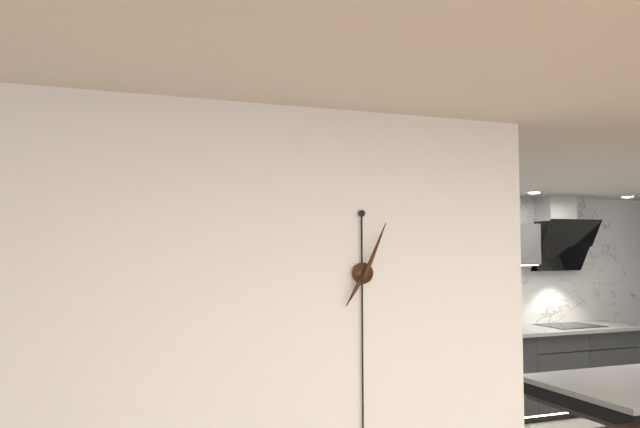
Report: 7:04
